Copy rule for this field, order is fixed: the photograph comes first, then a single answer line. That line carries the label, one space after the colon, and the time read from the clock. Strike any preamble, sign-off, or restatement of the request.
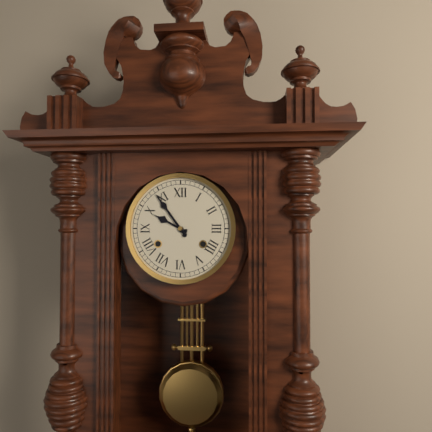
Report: 9:54
